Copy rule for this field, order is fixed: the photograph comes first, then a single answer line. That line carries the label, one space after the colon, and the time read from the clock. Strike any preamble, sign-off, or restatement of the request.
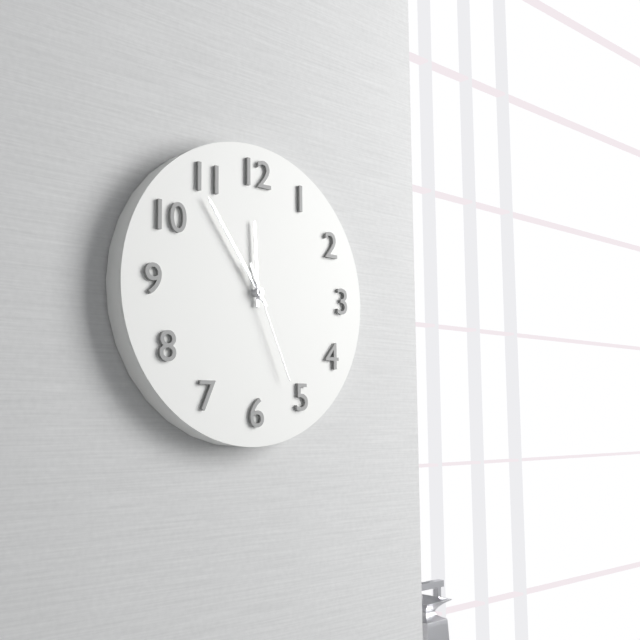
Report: 11:54:26
